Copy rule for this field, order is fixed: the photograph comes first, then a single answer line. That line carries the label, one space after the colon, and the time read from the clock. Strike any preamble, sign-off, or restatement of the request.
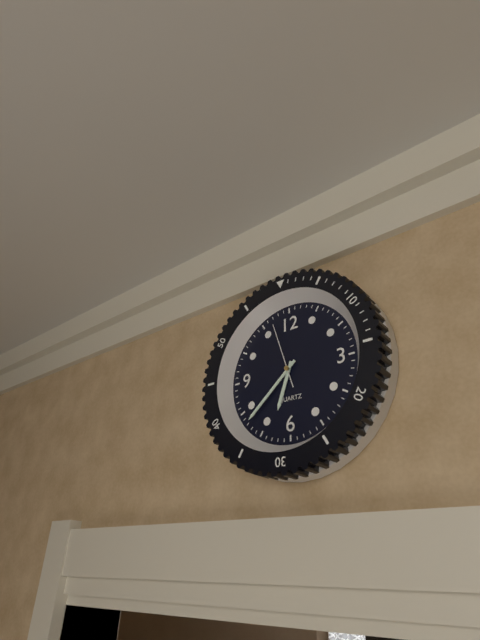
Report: 6:38:57
